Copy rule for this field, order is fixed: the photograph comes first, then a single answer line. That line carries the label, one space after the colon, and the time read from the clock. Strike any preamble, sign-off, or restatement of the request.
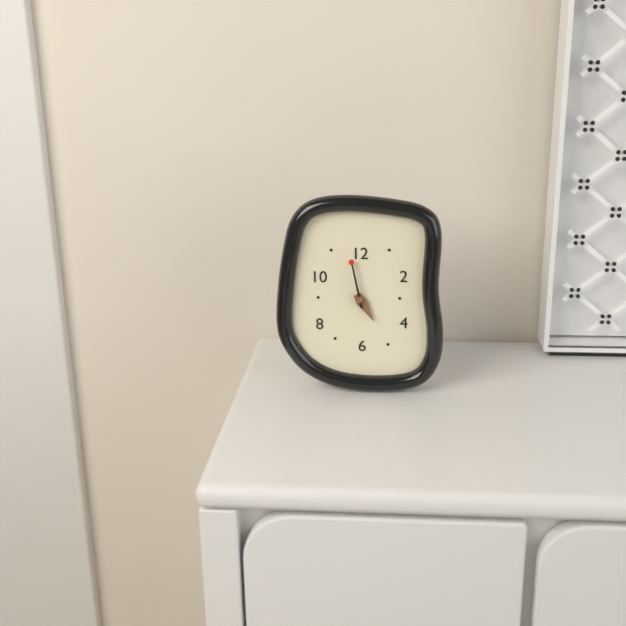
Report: 4:58
